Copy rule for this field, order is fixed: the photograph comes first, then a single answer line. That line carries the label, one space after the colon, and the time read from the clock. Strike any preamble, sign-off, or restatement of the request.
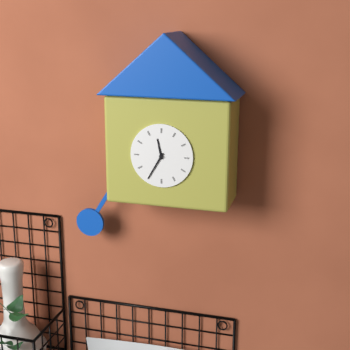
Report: 11:35
